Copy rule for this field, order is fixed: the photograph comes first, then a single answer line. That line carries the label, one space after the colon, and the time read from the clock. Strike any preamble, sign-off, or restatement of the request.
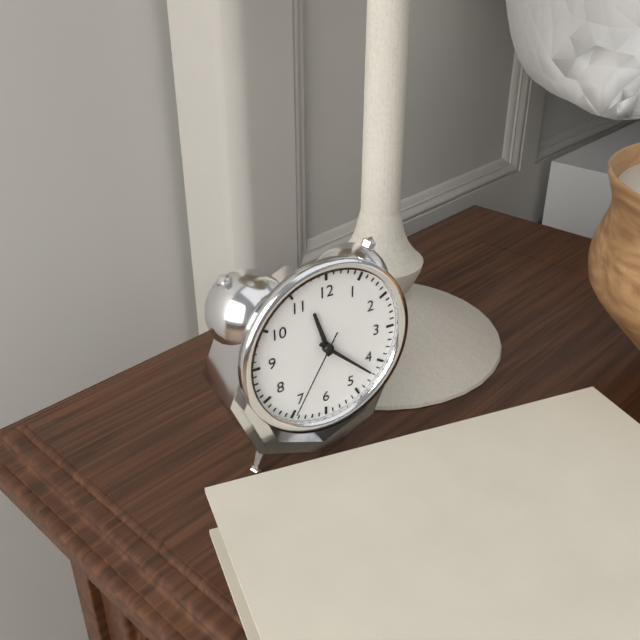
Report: 11:22:35
